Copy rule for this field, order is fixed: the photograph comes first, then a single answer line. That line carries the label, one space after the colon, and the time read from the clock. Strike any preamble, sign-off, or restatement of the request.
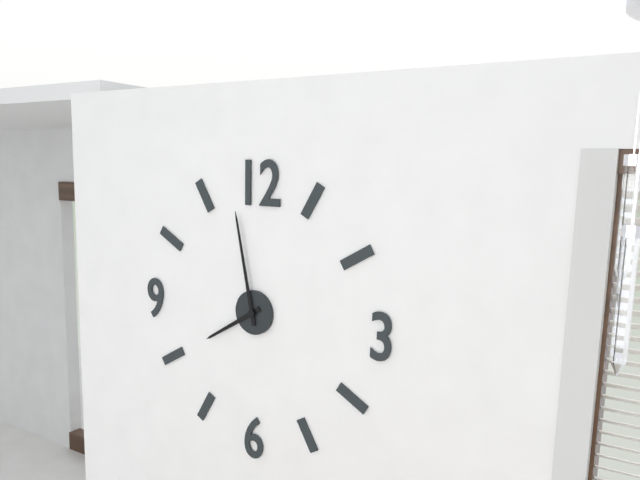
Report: 7:58
